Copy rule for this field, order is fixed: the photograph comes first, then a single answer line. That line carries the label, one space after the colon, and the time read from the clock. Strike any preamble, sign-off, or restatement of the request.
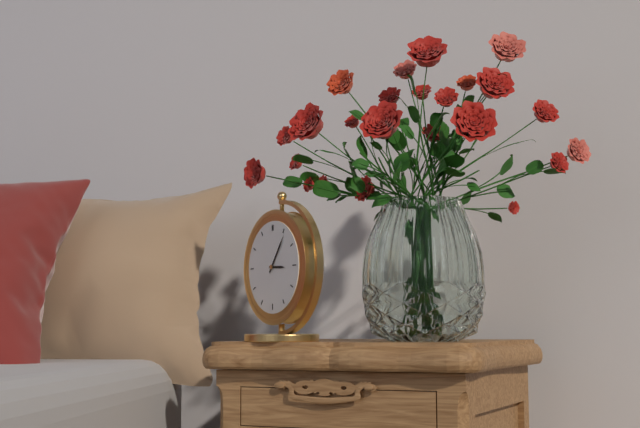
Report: 3:06
